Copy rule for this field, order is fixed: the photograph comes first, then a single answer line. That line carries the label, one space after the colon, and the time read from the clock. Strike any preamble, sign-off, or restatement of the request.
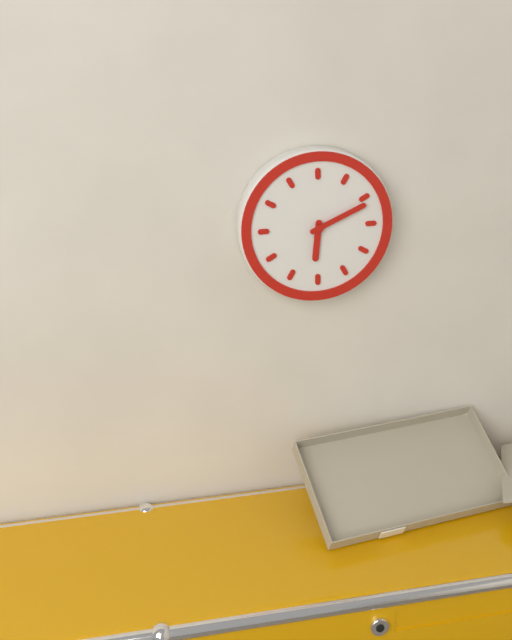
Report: 6:11
